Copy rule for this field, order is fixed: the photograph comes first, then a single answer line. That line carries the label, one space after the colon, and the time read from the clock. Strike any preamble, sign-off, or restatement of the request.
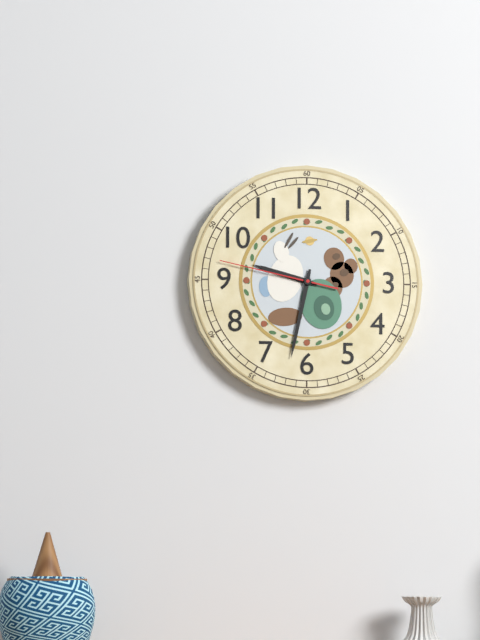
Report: 9:32:47
